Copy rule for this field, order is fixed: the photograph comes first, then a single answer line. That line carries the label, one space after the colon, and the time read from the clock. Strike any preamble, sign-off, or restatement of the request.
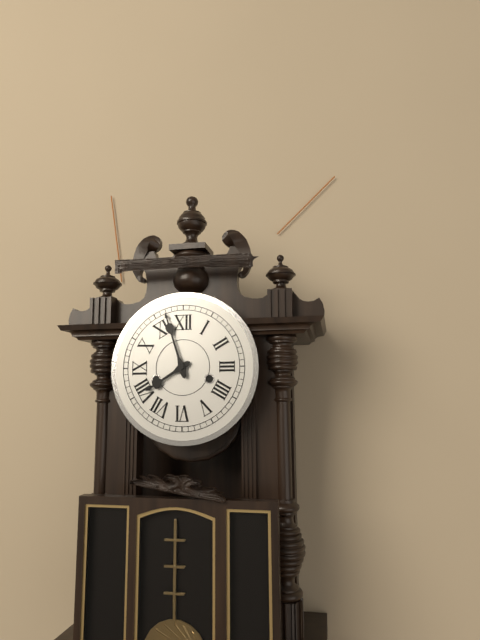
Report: 7:57
